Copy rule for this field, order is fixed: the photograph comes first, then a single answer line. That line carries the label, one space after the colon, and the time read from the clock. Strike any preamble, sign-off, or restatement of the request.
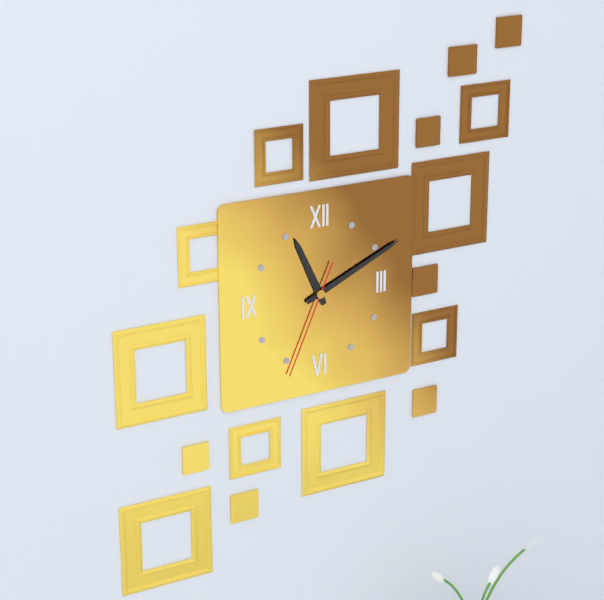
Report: 11:11:34
